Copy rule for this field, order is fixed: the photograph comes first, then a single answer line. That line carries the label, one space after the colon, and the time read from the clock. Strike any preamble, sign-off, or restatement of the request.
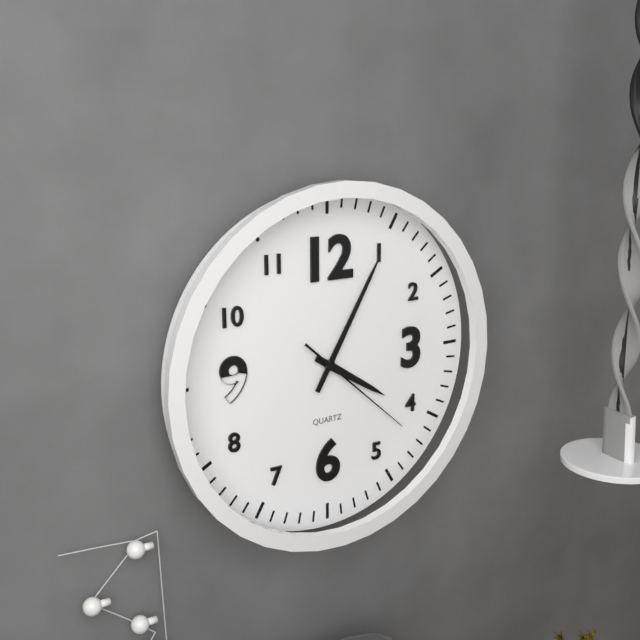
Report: 4:05:22
